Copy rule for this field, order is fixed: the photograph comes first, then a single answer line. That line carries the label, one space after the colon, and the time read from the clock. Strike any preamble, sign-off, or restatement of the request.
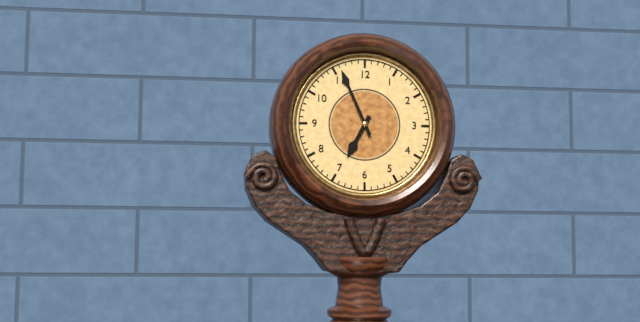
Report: 6:56
